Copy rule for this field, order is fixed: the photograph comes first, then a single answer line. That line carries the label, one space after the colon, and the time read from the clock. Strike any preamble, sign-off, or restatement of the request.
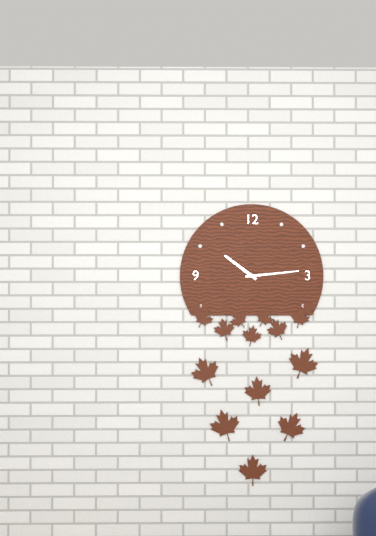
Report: 10:14
